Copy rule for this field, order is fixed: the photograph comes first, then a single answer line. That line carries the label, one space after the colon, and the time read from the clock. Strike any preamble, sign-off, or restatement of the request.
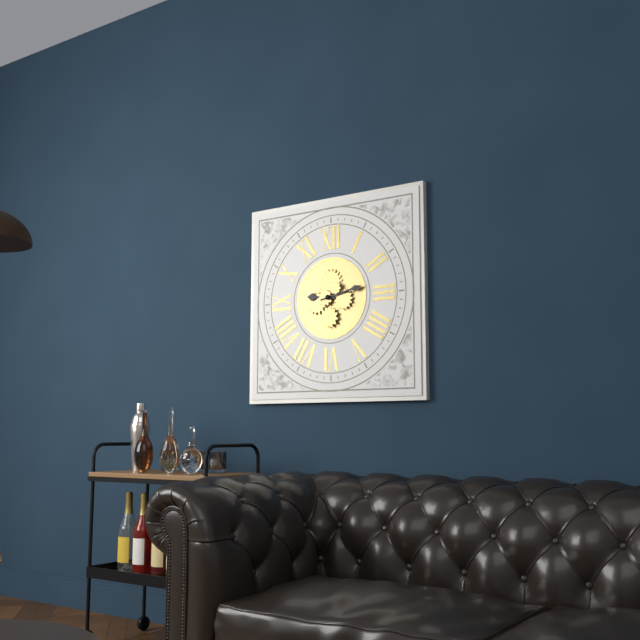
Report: 9:13
